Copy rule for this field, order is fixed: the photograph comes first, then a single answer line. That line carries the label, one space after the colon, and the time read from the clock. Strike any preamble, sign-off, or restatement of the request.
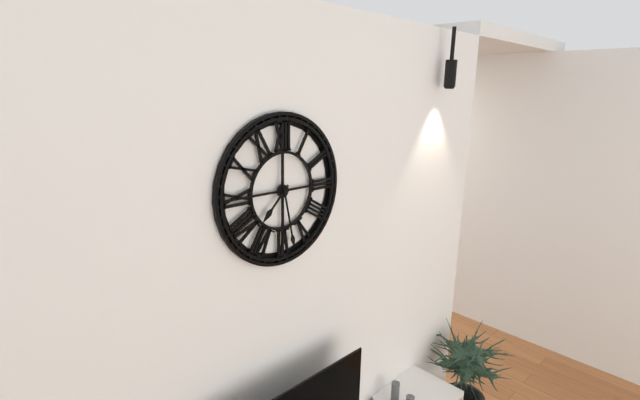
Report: 7:28
